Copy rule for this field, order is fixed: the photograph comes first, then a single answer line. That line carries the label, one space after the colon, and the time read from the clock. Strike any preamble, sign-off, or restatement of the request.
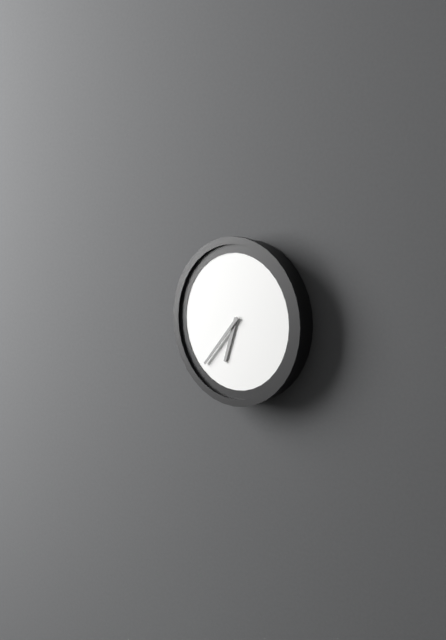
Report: 6:37
